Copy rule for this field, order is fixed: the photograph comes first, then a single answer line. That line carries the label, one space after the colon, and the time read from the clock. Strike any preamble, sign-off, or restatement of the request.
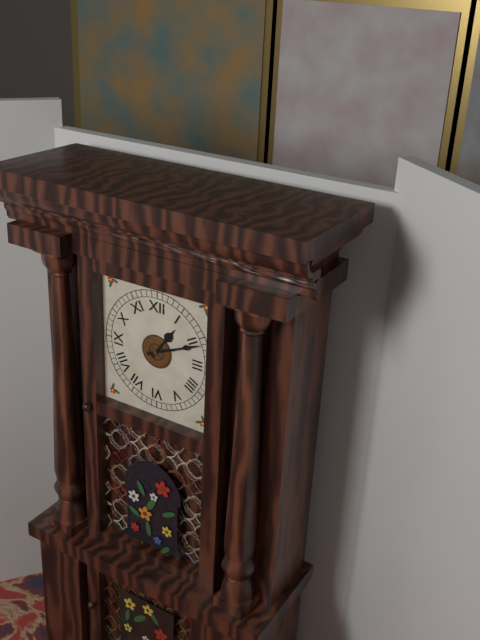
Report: 1:11
